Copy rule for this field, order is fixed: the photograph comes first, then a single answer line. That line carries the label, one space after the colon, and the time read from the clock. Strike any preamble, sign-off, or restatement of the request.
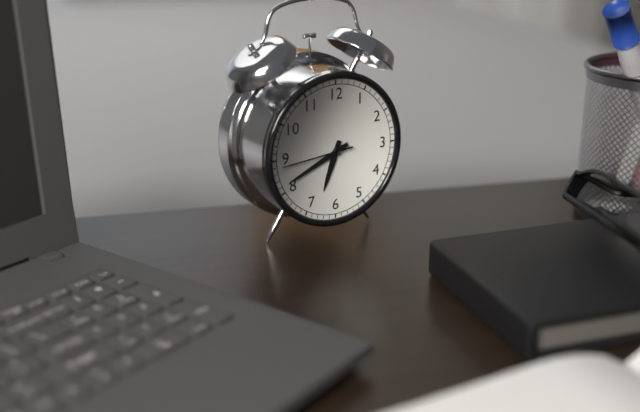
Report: 6:41:44
